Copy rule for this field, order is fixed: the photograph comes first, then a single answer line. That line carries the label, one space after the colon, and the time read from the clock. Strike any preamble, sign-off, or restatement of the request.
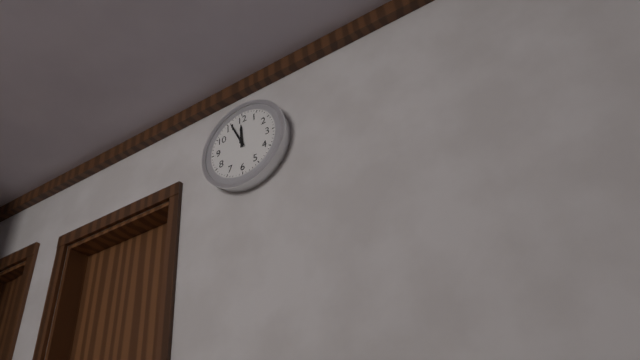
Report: 11:56
